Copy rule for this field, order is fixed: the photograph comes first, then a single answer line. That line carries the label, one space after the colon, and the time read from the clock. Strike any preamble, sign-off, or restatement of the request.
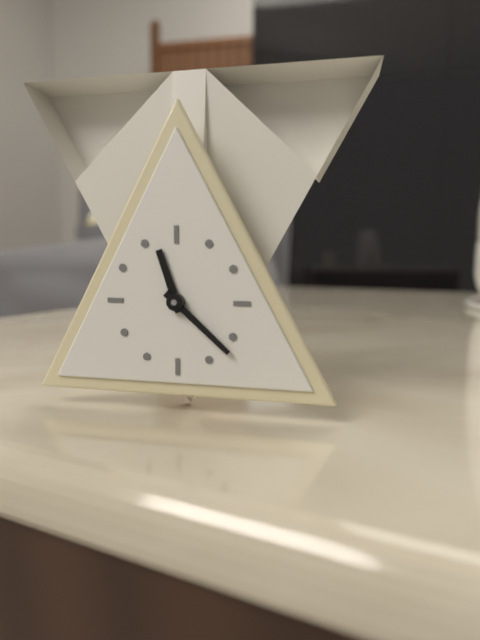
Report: 11:22
